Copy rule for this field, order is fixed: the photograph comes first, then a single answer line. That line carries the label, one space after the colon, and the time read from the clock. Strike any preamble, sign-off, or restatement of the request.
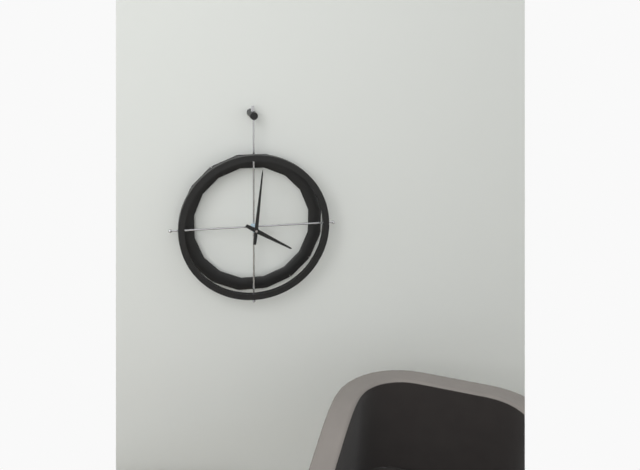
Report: 4:01
